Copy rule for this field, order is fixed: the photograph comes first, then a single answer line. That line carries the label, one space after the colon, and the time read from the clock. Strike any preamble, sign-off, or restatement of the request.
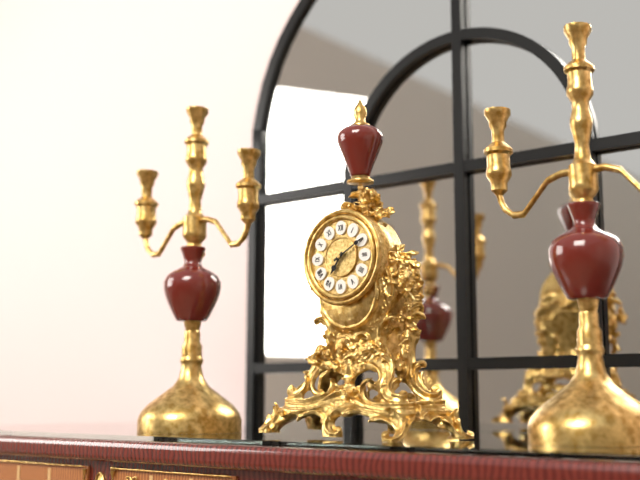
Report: 7:10
